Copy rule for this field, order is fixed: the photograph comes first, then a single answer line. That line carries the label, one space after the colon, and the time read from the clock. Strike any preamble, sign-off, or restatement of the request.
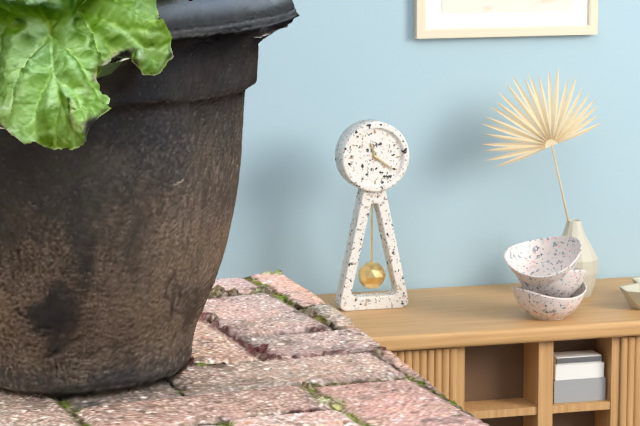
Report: 11:21
